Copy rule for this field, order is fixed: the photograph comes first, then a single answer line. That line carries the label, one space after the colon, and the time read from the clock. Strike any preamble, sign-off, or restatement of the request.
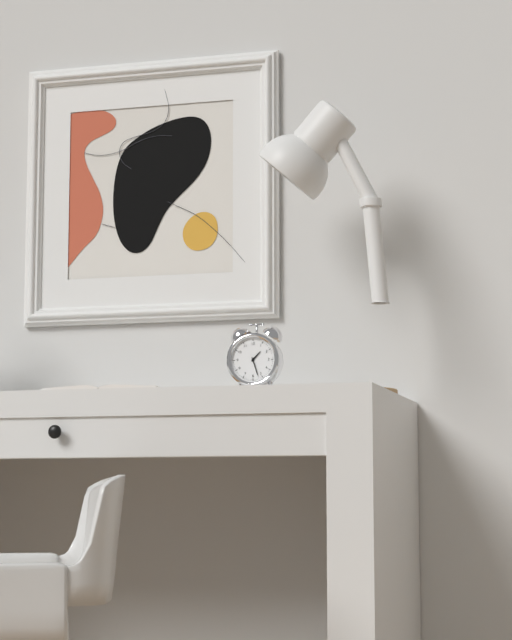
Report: 1:27
